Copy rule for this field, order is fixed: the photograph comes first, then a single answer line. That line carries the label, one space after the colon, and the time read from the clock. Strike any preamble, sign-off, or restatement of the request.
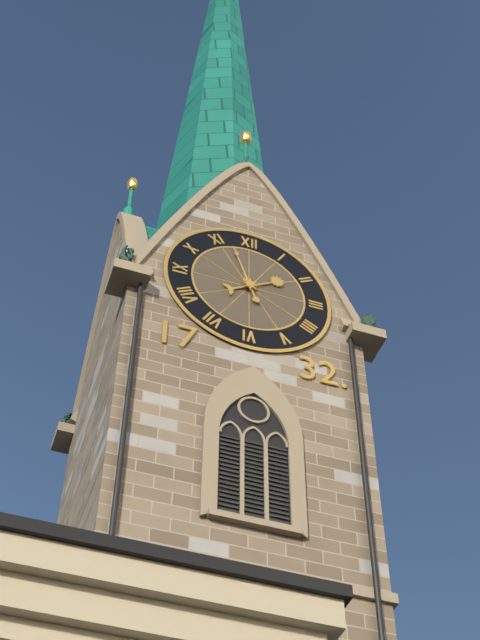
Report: 1:57
